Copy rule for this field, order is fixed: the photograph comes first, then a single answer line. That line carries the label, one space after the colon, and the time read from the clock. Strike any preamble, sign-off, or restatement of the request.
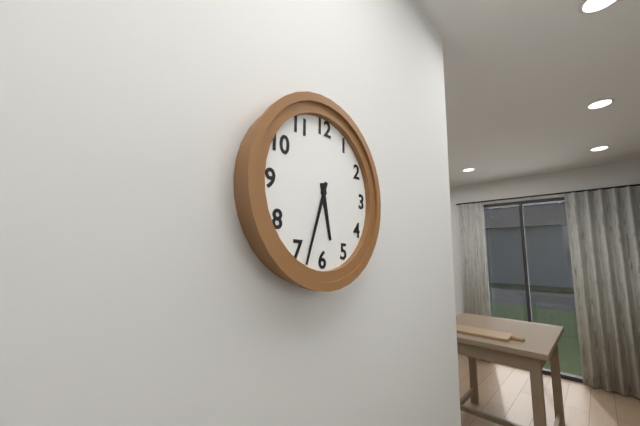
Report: 5:33
